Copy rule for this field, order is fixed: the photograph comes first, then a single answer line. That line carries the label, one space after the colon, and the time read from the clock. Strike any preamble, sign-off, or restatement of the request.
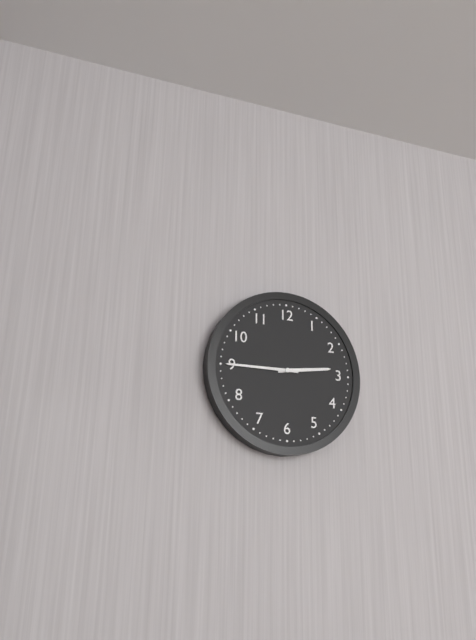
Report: 2:45
